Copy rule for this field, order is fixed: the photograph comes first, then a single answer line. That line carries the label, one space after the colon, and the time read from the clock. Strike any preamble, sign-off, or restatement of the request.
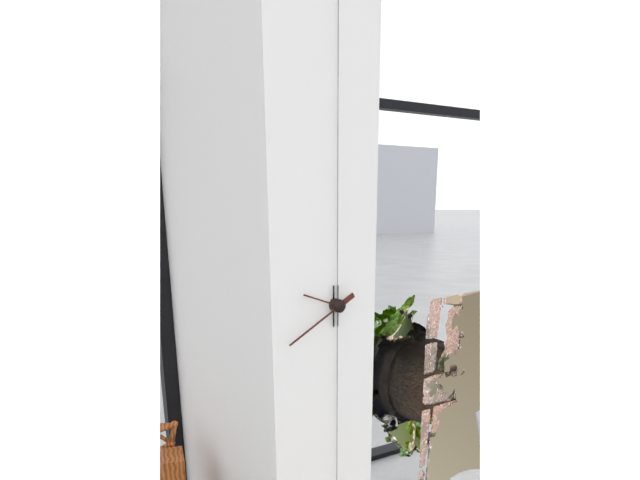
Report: 9:40
